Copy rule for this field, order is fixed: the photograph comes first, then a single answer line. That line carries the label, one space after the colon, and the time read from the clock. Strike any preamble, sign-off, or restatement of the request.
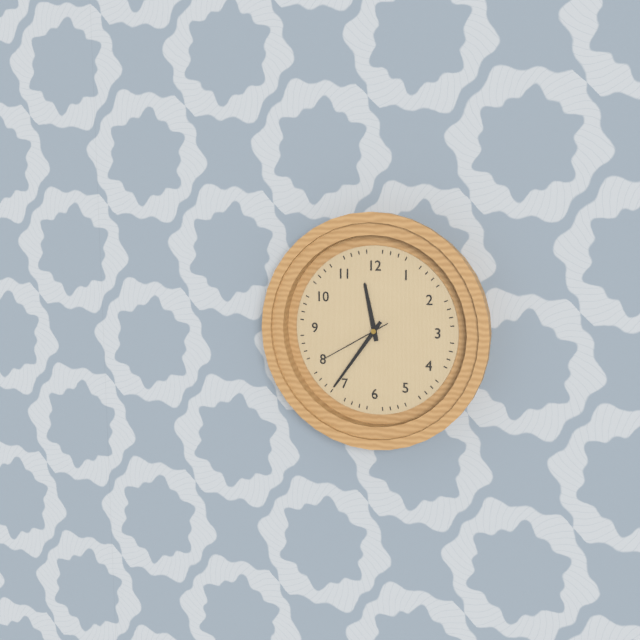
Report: 11:36:40
